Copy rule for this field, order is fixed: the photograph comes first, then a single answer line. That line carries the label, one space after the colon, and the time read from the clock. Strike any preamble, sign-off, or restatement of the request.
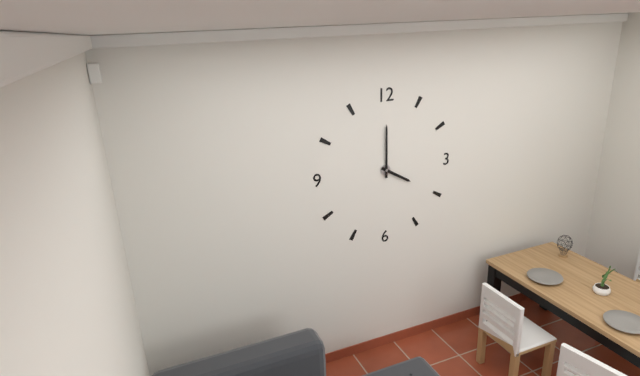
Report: 4:00
